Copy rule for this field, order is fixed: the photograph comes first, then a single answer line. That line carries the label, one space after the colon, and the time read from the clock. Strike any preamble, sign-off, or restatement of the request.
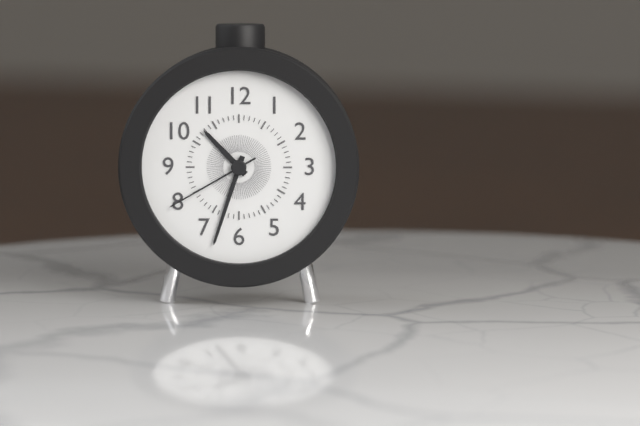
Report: 10:33:40
